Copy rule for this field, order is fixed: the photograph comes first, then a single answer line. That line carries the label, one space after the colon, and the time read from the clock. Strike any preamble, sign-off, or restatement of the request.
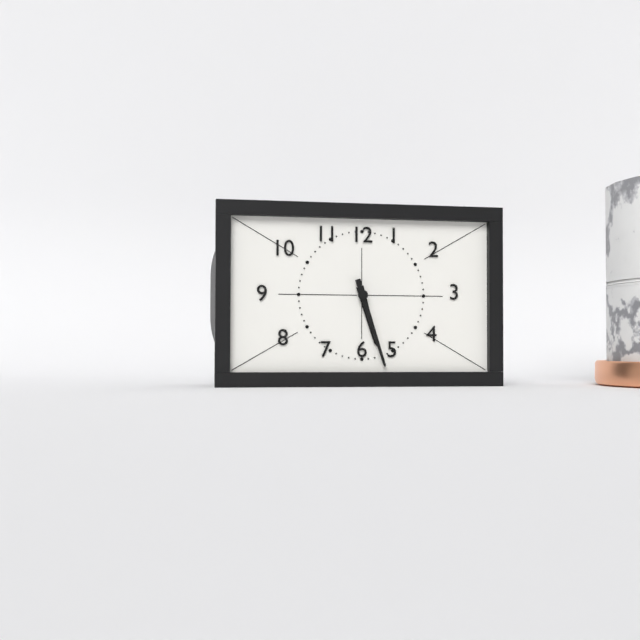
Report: 5:27
